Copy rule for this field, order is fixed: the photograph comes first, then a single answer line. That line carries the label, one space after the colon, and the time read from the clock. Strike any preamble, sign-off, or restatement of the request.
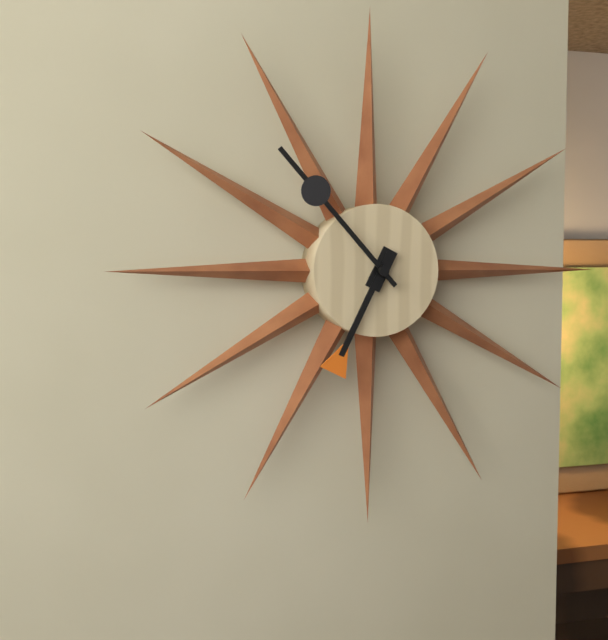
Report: 6:53
